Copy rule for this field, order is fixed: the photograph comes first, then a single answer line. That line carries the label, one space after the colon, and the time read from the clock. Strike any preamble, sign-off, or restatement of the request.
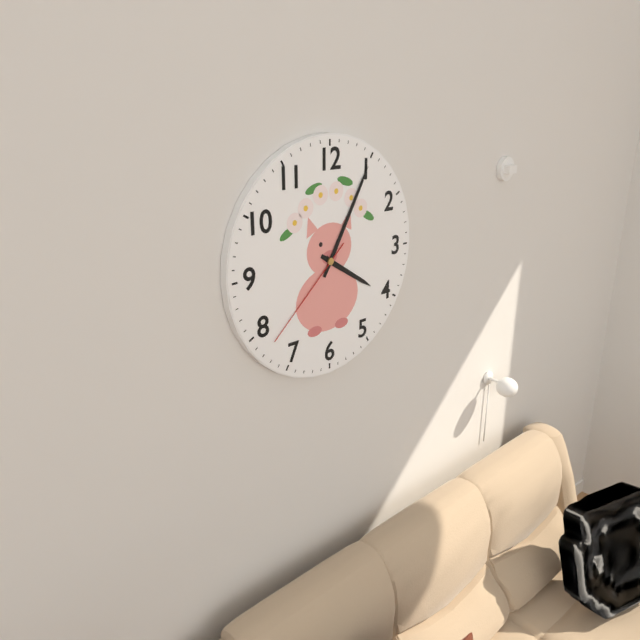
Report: 4:05:38
